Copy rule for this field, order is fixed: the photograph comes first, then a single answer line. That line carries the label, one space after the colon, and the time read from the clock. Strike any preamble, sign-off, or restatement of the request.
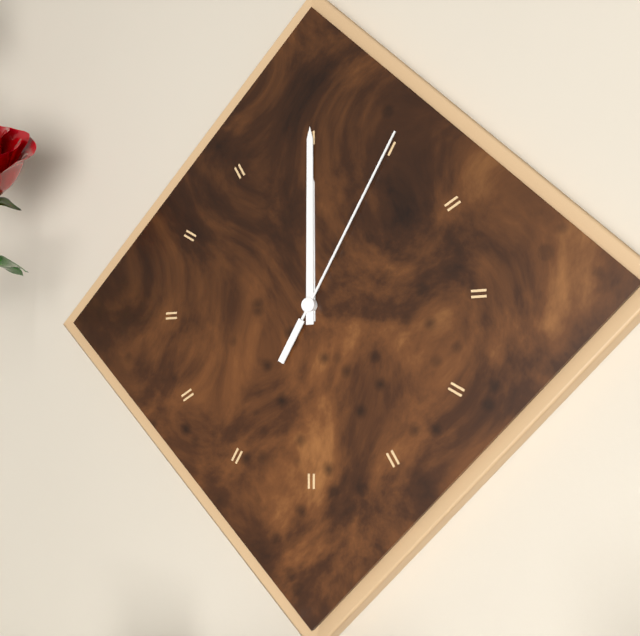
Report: 12:00:05
